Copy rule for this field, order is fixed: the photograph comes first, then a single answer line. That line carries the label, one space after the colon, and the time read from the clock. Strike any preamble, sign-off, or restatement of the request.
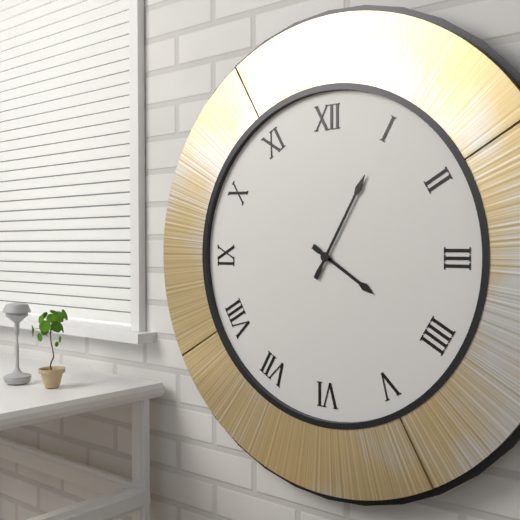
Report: 4:05
